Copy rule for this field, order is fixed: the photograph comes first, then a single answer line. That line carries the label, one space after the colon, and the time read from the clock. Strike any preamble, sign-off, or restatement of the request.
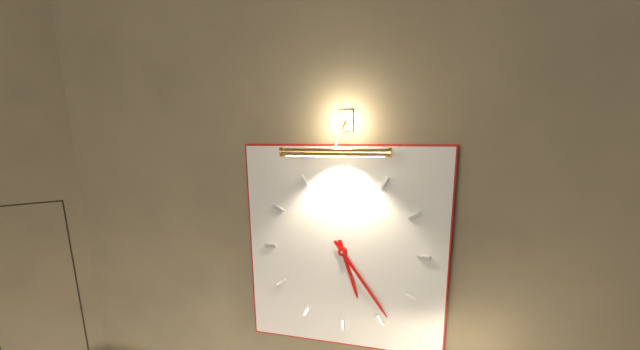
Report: 5:24
